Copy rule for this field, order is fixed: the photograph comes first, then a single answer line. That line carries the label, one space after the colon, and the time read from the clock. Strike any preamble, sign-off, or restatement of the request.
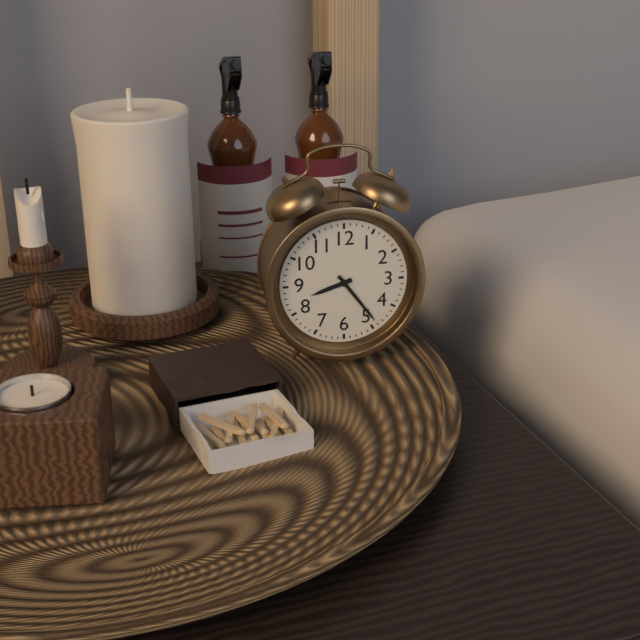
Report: 8:24
